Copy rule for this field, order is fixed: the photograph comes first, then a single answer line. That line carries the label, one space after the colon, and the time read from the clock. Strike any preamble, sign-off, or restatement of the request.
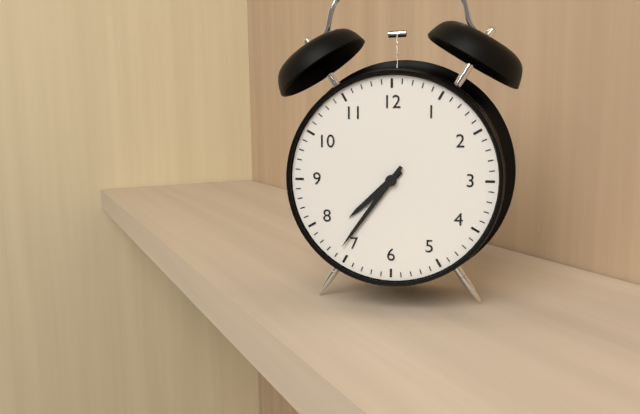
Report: 7:36
